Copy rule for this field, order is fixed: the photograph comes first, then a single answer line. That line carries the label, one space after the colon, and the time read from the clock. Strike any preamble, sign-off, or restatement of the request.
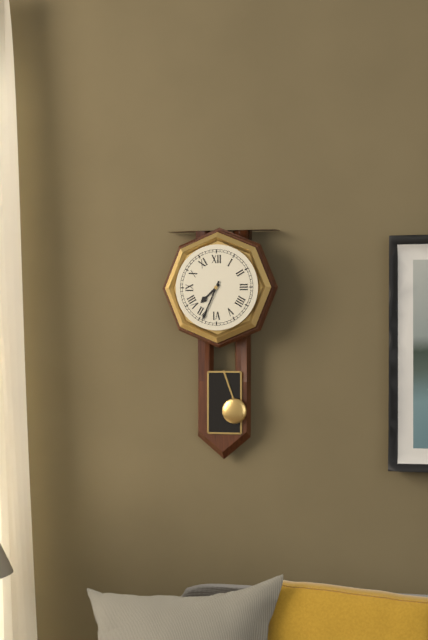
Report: 7:34
